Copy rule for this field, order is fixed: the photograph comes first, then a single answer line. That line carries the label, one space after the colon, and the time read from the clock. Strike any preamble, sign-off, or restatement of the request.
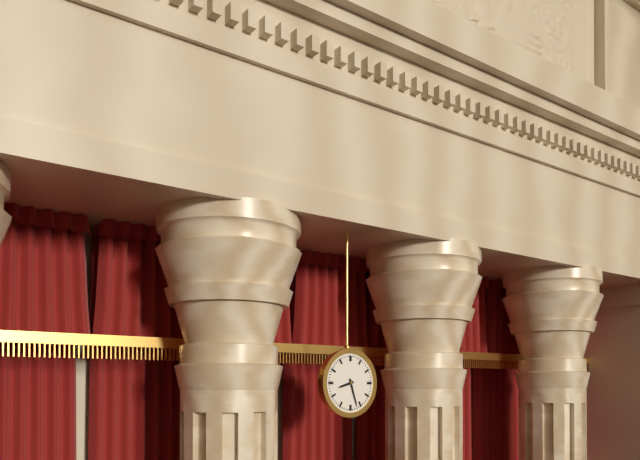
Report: 8:27
